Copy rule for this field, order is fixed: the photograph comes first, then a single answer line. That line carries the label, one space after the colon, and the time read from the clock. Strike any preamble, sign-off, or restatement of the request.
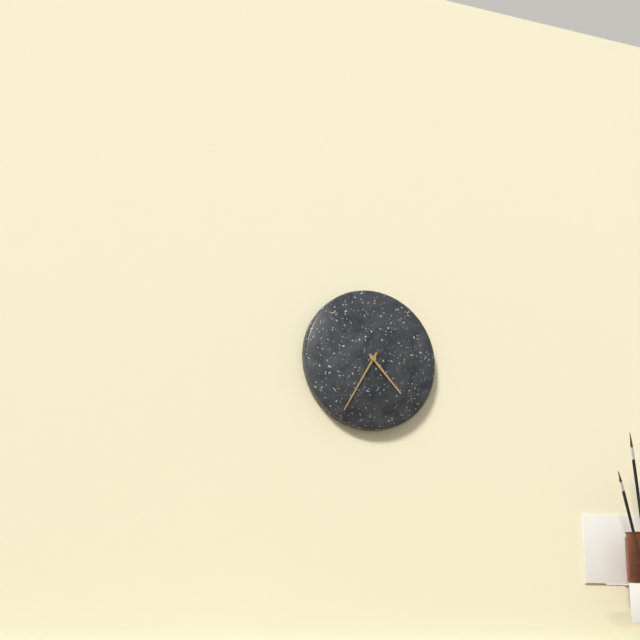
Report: 4:35
